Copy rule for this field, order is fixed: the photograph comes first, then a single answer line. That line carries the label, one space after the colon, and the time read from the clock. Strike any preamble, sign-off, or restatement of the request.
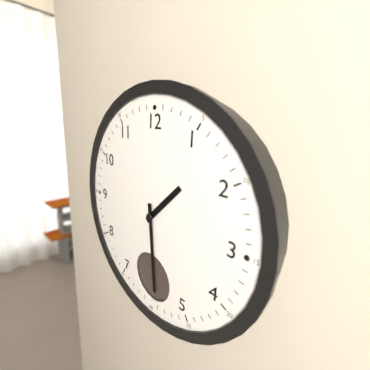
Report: 1:29
